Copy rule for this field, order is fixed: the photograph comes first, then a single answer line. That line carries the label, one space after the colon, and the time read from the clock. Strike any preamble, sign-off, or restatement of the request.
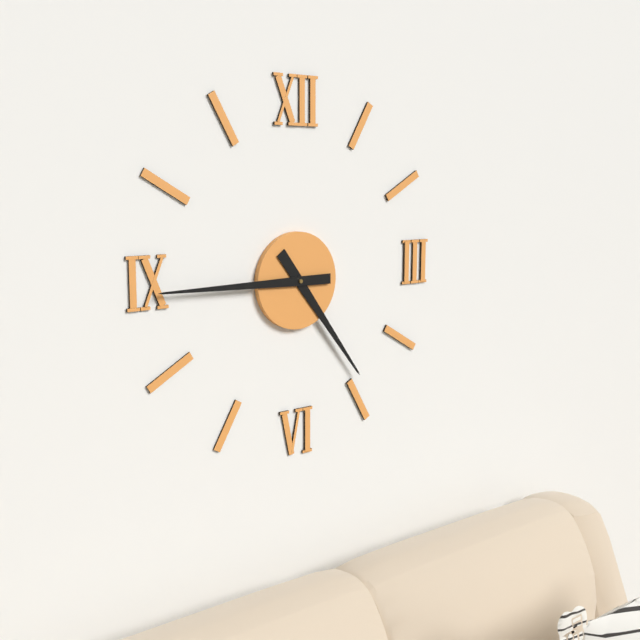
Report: 4:45
